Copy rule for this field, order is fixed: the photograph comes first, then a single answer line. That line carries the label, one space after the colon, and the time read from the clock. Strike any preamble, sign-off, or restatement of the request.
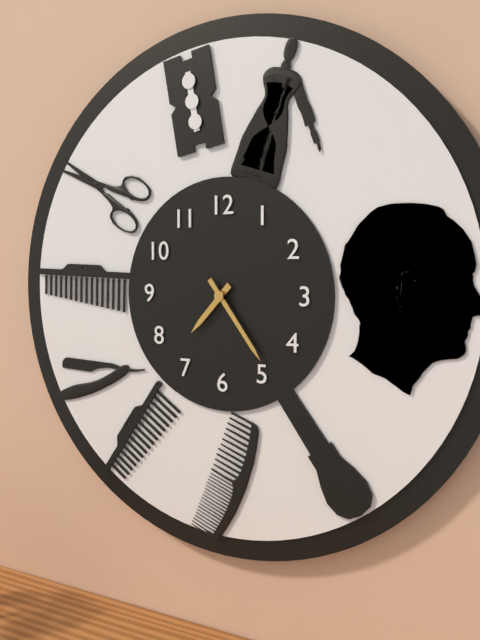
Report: 7:24
